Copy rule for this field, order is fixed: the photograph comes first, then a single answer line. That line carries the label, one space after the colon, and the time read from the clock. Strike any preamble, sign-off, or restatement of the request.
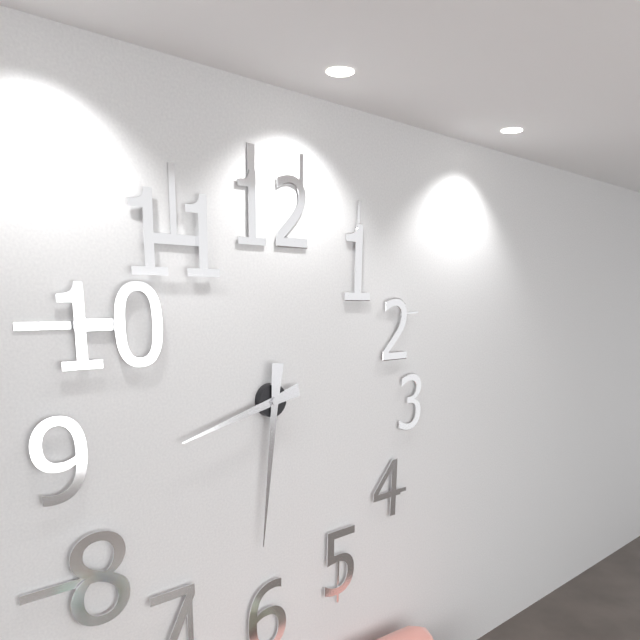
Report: 8:31
